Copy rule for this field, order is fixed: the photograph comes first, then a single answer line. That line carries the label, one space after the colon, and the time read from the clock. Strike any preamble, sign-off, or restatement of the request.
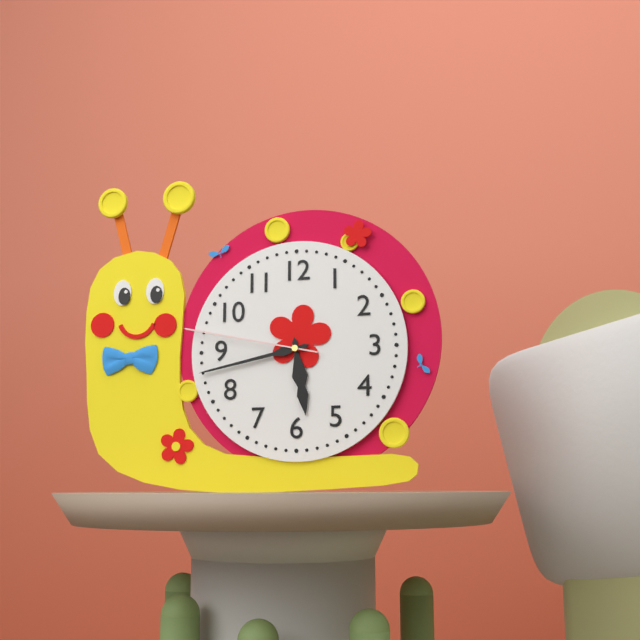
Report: 5:43:47
